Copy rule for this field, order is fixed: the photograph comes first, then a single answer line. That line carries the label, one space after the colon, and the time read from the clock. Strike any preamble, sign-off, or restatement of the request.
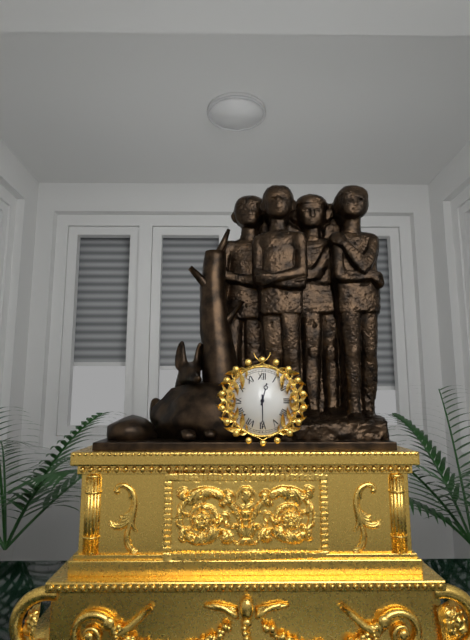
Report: 12:30
